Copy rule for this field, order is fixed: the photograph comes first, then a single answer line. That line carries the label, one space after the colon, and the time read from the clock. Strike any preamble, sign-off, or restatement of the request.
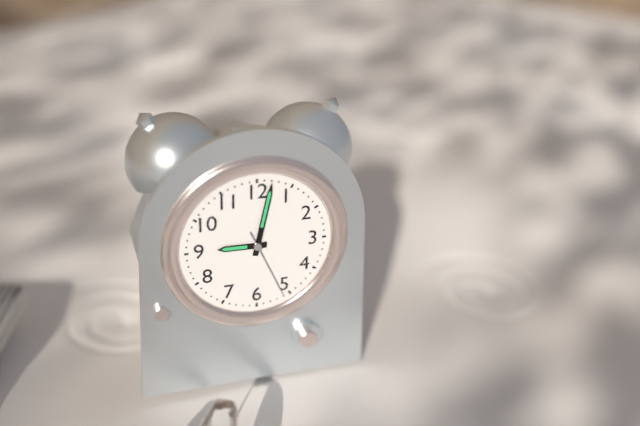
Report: 9:02:26
